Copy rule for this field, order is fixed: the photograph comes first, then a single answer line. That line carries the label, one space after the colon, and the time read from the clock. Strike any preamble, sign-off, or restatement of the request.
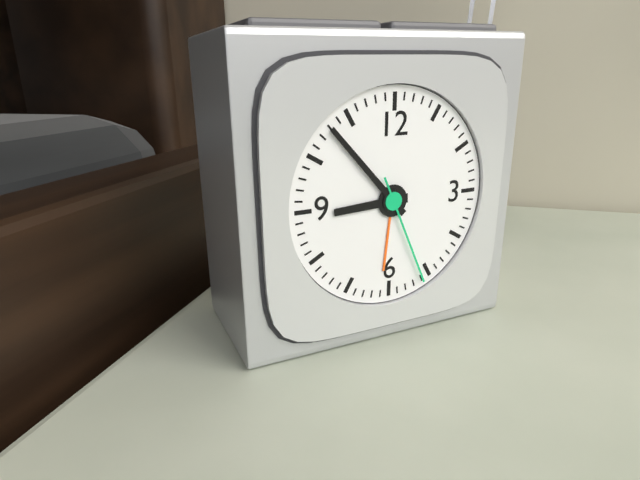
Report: 8:53:26
